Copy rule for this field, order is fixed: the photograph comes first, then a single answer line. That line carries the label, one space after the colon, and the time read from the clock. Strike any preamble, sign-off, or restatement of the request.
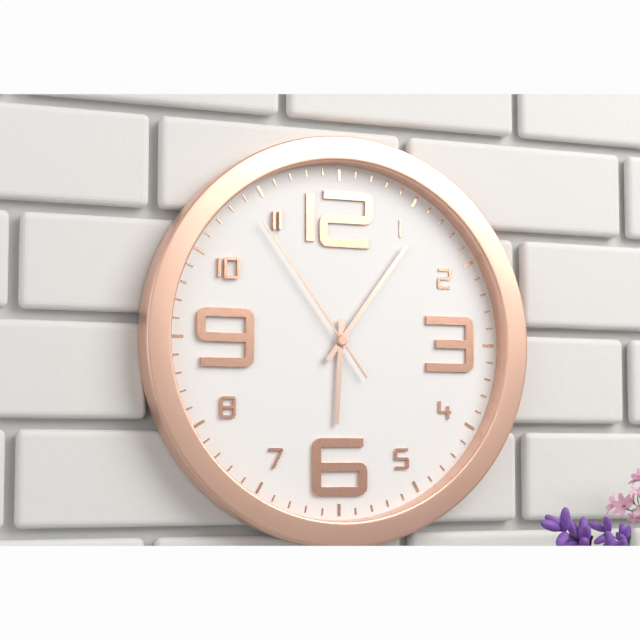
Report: 6:06:54
